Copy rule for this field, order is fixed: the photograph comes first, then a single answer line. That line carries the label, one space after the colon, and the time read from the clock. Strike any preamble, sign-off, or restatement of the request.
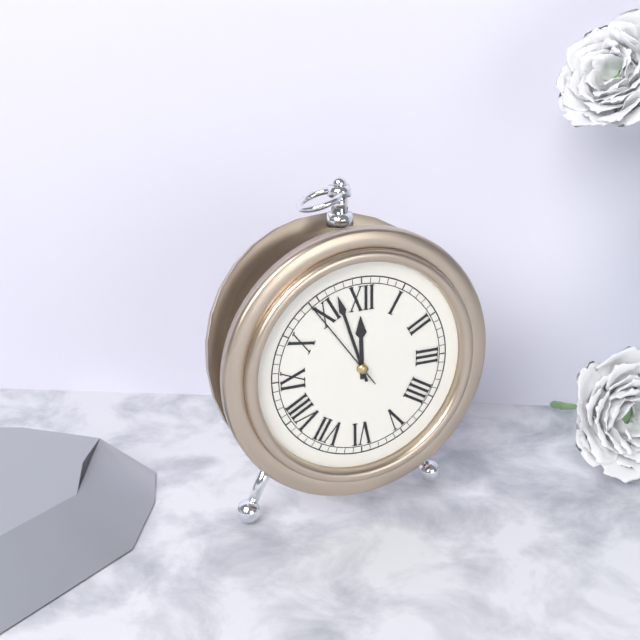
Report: 11:57:54
